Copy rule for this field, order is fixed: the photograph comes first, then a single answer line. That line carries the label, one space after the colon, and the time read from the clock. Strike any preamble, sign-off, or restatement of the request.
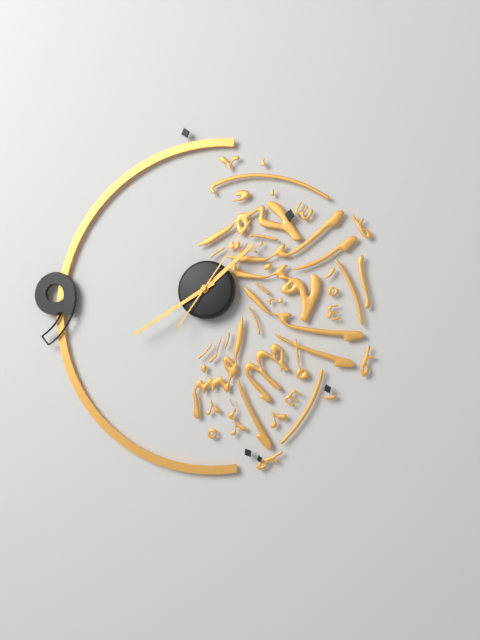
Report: 1:40:06
